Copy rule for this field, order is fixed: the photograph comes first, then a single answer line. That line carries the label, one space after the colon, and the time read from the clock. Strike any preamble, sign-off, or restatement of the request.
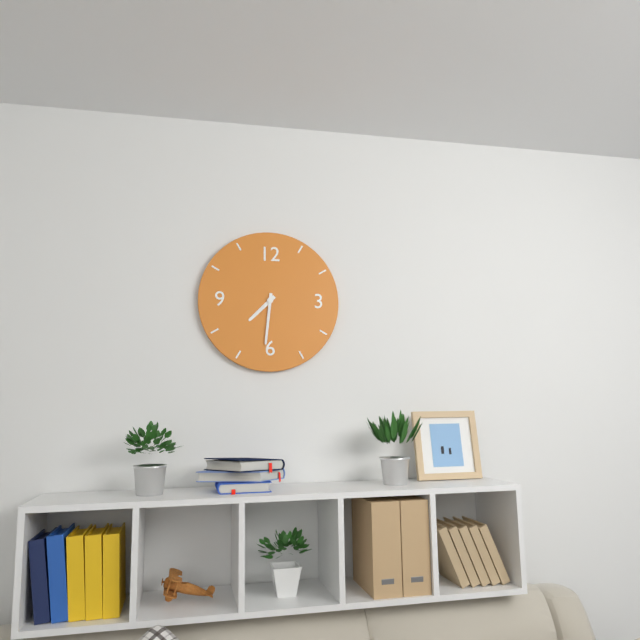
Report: 7:31
